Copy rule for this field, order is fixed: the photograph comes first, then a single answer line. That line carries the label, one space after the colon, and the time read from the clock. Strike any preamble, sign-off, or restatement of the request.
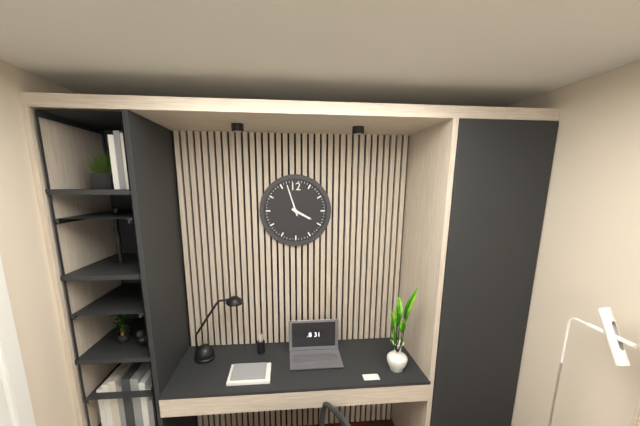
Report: 3:57
